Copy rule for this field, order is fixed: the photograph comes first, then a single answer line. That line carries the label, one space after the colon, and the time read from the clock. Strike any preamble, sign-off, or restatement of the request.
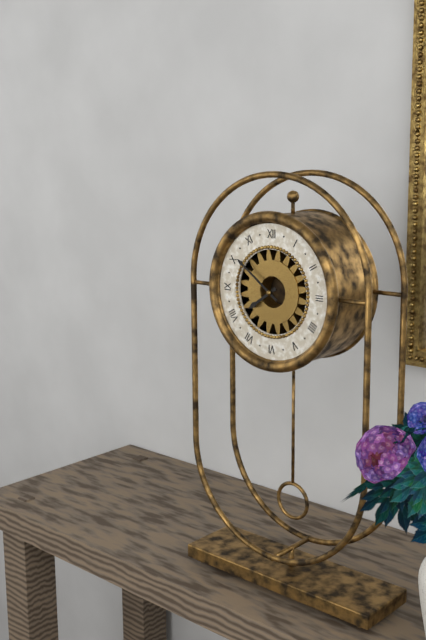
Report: 7:51
